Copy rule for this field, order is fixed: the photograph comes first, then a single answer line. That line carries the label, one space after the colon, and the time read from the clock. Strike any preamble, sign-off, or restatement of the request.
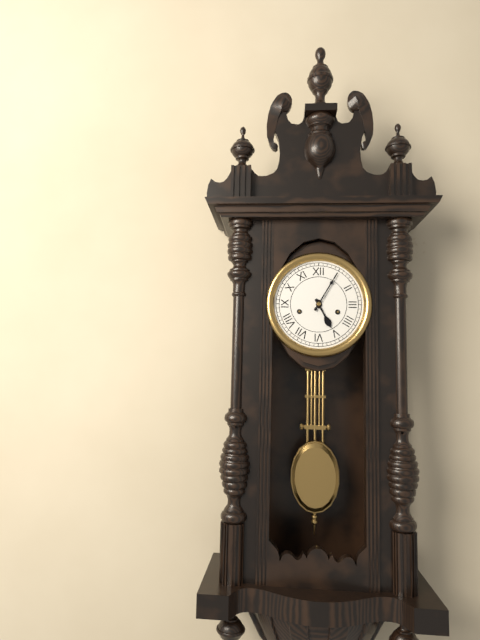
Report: 5:05
